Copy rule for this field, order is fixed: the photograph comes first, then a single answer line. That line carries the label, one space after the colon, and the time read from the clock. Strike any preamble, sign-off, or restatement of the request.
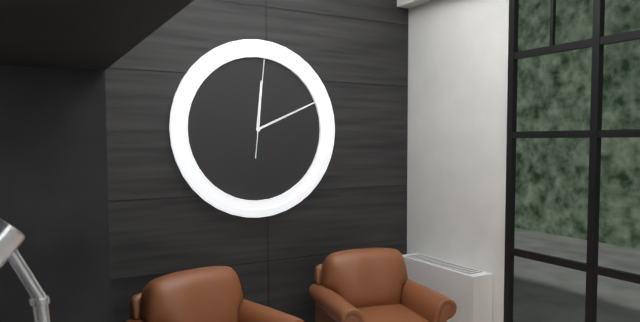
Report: 12:11:01
